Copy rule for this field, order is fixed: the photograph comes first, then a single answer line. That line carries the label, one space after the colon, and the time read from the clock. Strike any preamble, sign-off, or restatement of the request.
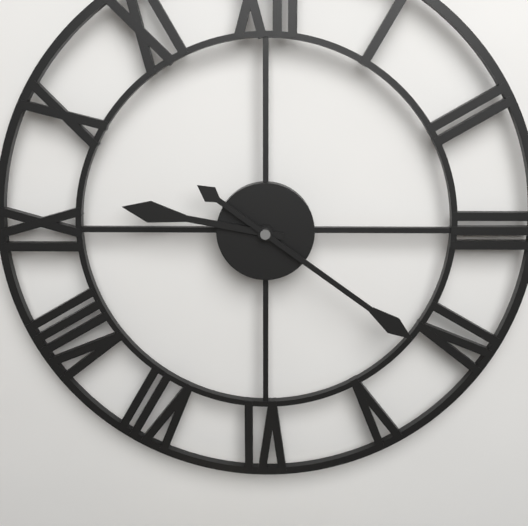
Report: 9:21
